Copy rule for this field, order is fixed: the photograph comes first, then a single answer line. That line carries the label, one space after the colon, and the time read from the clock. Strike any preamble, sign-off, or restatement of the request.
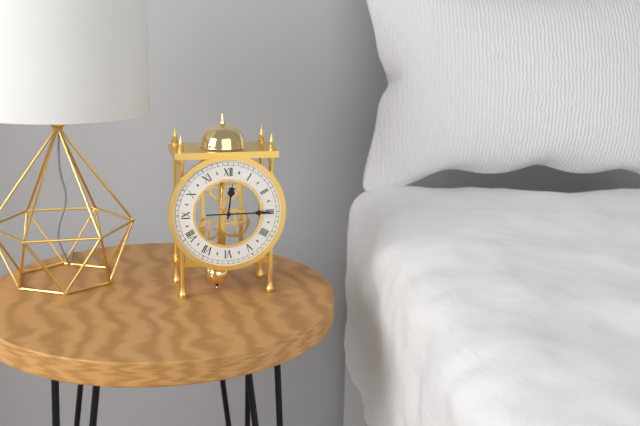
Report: 12:15
